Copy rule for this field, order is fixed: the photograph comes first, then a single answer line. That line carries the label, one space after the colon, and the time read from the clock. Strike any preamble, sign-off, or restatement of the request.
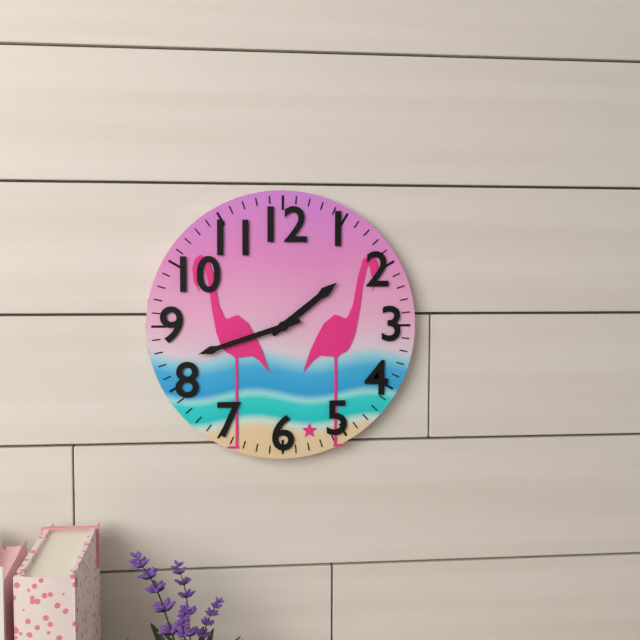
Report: 1:42
